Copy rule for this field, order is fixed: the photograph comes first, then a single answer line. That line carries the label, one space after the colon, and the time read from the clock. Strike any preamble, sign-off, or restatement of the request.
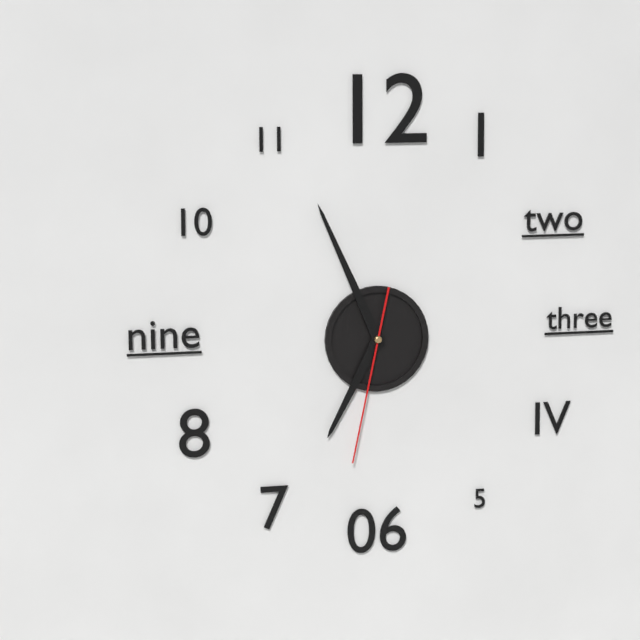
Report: 6:56:32
